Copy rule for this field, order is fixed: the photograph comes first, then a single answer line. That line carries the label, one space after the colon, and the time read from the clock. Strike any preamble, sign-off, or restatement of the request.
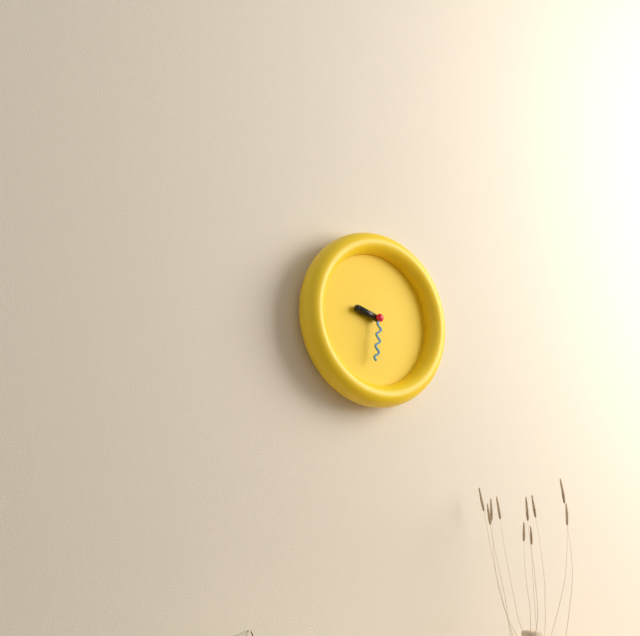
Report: 9:31
